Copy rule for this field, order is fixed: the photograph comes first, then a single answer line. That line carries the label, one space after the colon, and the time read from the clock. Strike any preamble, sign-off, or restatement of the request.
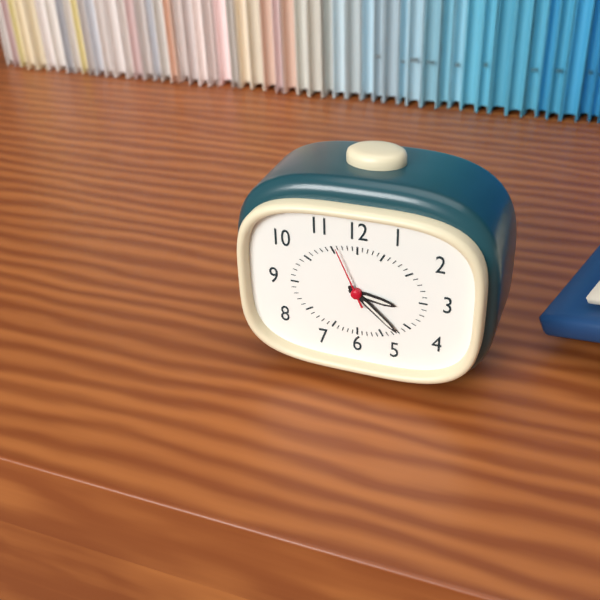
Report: 3:22:56
